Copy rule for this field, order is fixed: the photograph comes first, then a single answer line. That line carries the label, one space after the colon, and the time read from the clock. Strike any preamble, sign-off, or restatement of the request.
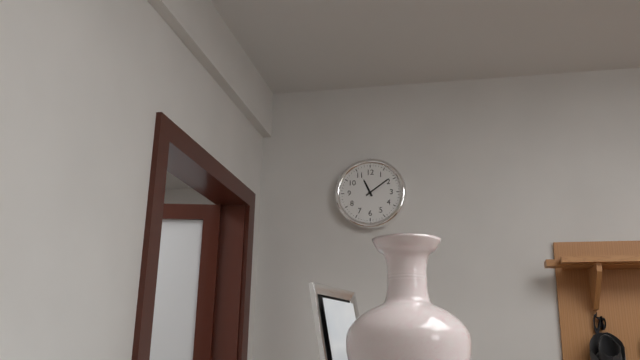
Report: 11:09
